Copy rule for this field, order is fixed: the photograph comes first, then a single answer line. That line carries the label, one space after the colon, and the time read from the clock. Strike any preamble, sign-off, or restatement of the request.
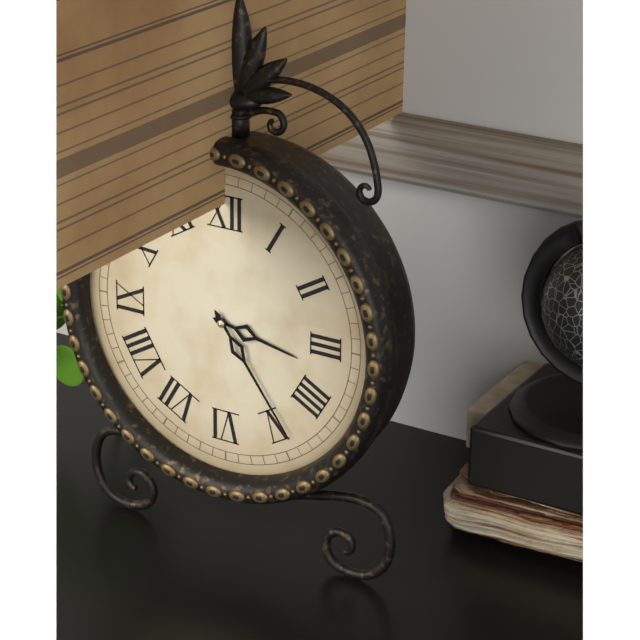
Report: 3:24
